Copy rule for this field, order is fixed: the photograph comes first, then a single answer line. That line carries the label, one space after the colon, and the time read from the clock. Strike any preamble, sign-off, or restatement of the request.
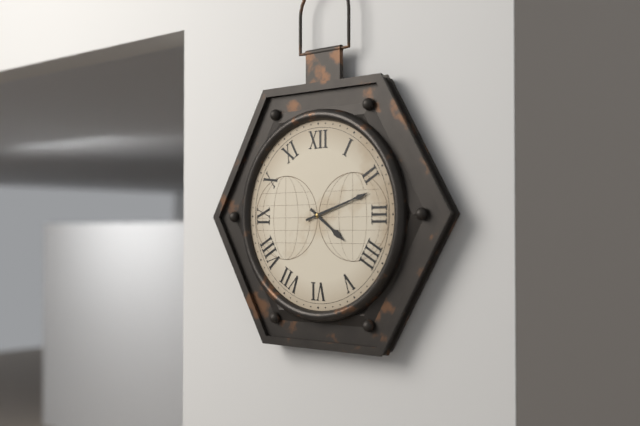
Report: 4:12
